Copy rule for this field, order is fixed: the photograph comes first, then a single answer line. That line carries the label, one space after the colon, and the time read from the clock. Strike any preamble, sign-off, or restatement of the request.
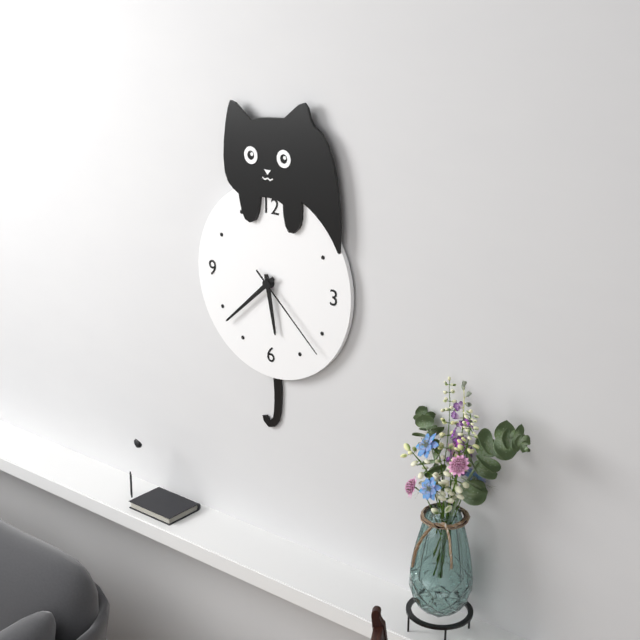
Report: 5:38:22
